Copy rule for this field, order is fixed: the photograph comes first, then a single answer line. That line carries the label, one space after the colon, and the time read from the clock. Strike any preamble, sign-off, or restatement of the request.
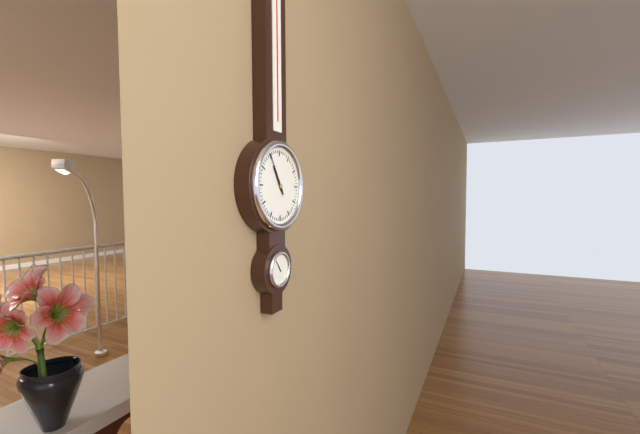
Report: 10:55
